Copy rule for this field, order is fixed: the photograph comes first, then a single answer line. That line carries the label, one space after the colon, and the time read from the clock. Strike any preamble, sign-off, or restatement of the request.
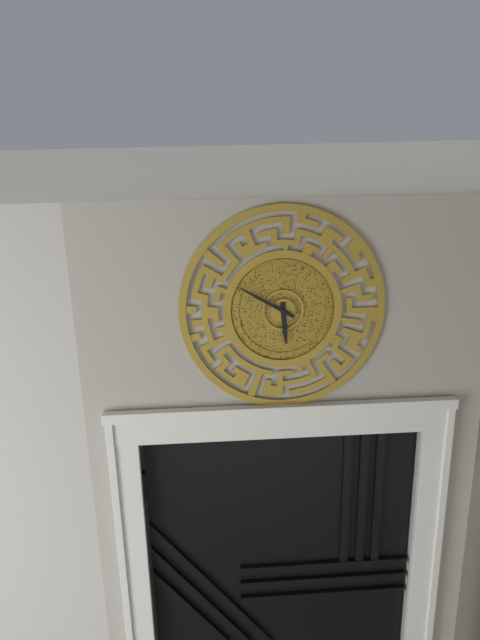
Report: 5:50
